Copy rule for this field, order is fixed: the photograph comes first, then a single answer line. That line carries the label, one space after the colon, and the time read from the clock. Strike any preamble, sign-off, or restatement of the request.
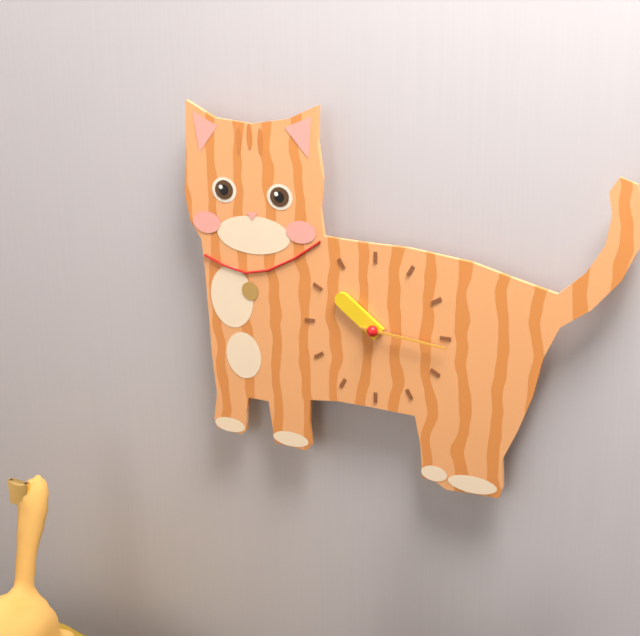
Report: 10:16
